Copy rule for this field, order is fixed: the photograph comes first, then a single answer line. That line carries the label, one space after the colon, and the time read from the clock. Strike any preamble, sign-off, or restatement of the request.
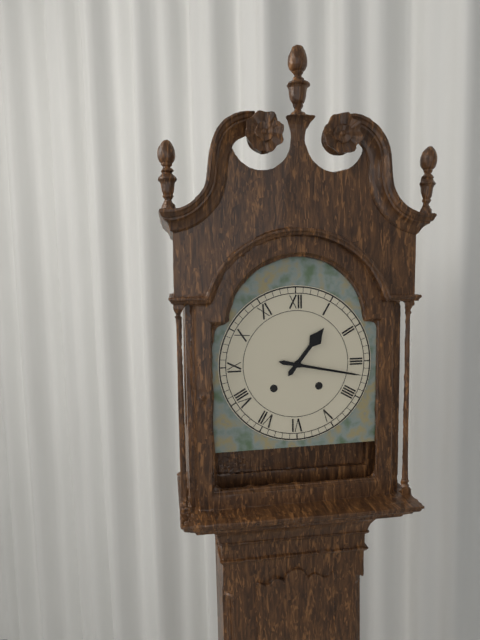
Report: 1:17
